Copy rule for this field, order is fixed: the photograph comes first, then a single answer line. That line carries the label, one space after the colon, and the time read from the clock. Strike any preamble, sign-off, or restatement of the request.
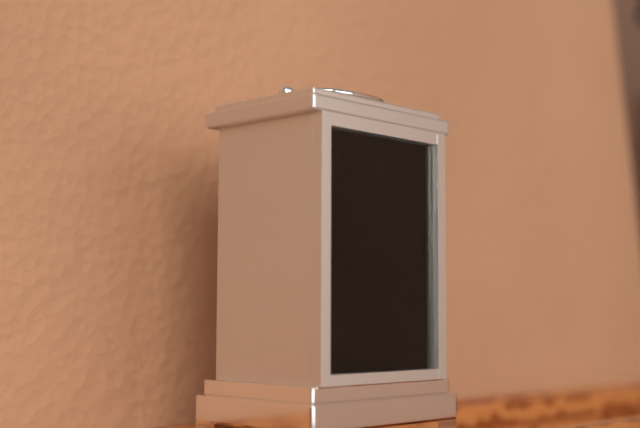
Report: 3:54
